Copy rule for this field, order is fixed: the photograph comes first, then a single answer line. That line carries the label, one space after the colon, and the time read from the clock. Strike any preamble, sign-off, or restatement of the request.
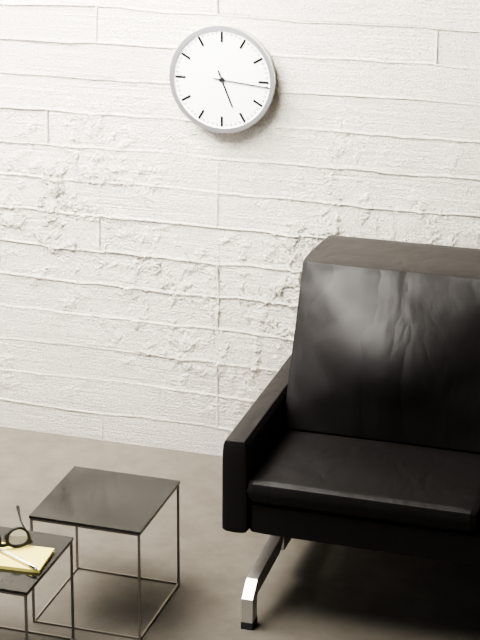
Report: 5:16
